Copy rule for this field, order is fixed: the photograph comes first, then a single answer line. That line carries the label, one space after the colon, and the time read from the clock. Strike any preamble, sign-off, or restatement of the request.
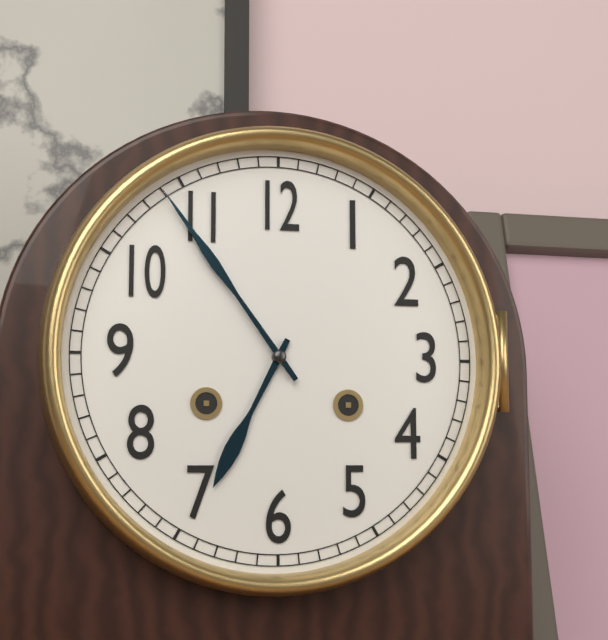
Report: 6:54
